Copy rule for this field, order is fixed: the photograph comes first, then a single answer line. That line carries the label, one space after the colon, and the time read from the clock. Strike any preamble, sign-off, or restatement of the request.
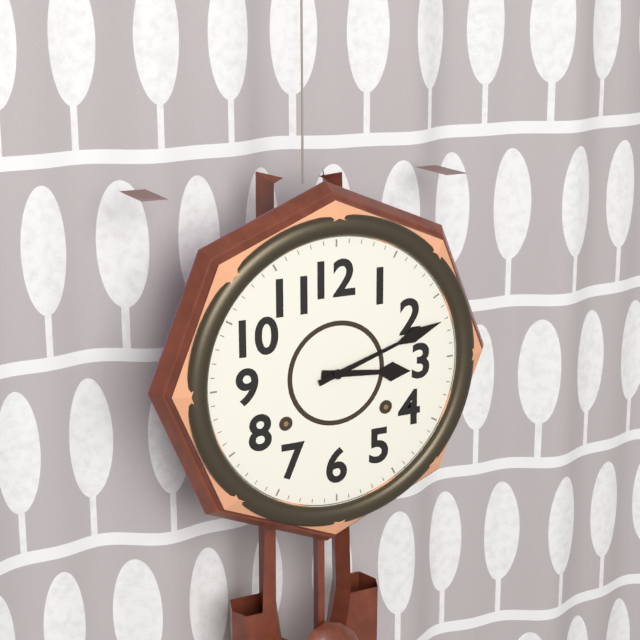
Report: 3:12
